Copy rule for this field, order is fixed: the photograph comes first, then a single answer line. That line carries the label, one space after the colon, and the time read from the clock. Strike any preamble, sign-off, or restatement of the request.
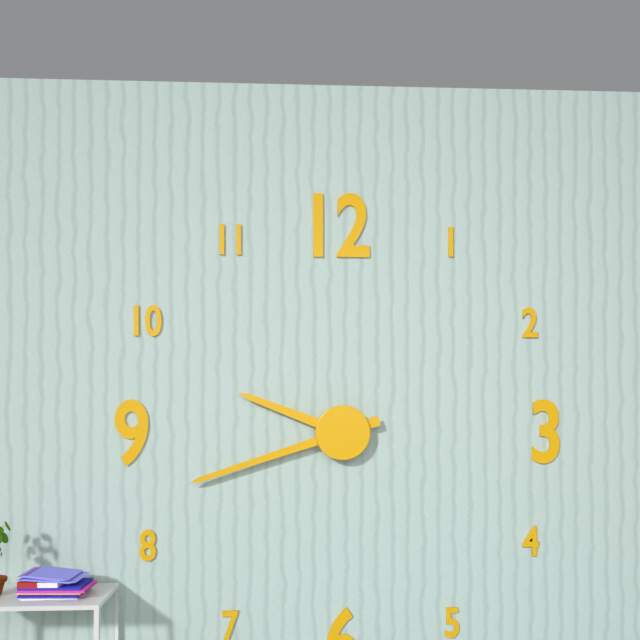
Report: 9:42
